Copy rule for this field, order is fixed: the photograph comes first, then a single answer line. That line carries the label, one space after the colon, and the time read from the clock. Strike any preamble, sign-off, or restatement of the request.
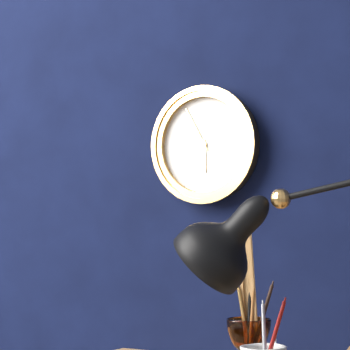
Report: 5:55
